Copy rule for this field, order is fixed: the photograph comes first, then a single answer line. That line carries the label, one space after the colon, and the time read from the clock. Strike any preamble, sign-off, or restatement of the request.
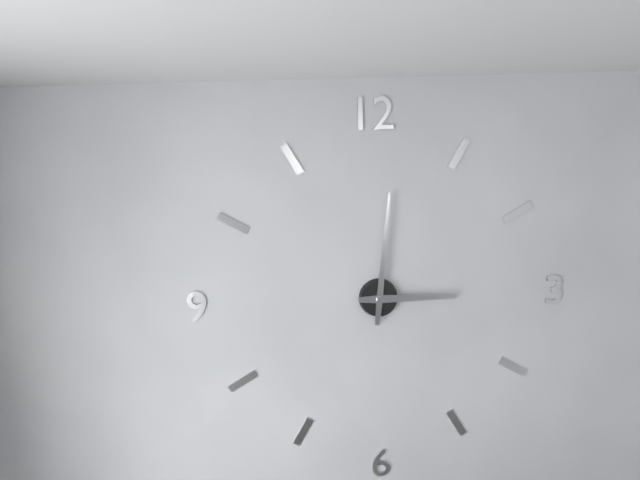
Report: 3:01
